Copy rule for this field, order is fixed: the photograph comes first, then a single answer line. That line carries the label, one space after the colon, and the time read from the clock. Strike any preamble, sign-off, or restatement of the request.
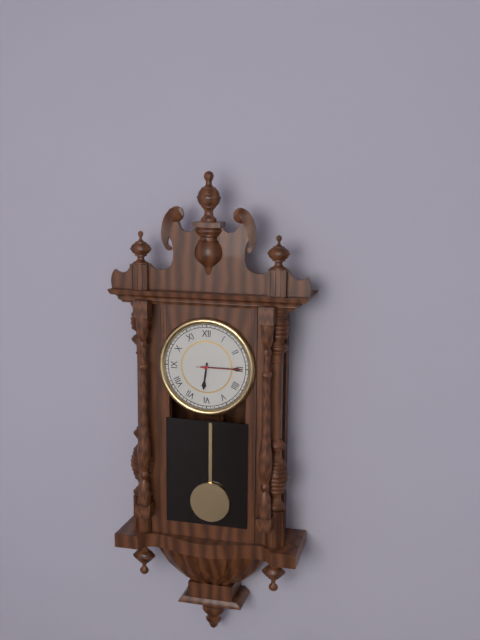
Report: 6:15
